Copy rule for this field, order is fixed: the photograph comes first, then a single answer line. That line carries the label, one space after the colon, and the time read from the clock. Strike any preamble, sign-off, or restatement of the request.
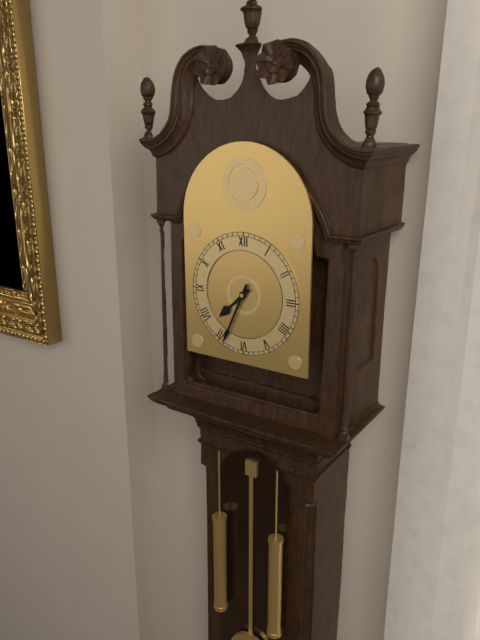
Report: 7:34
